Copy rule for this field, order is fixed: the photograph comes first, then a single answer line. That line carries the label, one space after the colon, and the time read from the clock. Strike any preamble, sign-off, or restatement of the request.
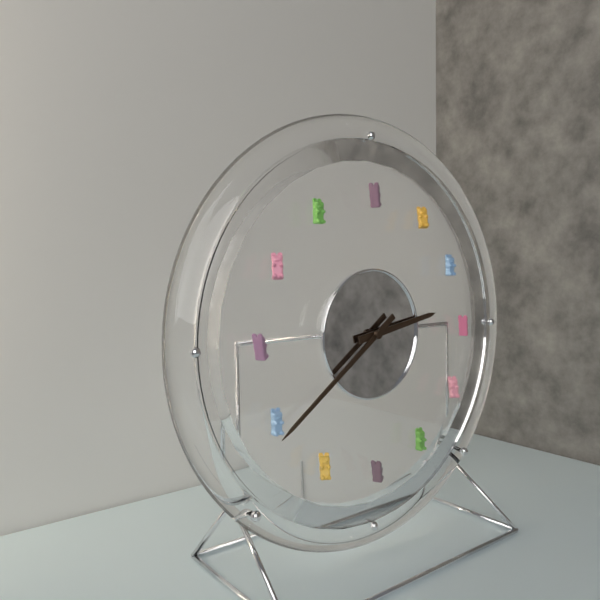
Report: 2:39
